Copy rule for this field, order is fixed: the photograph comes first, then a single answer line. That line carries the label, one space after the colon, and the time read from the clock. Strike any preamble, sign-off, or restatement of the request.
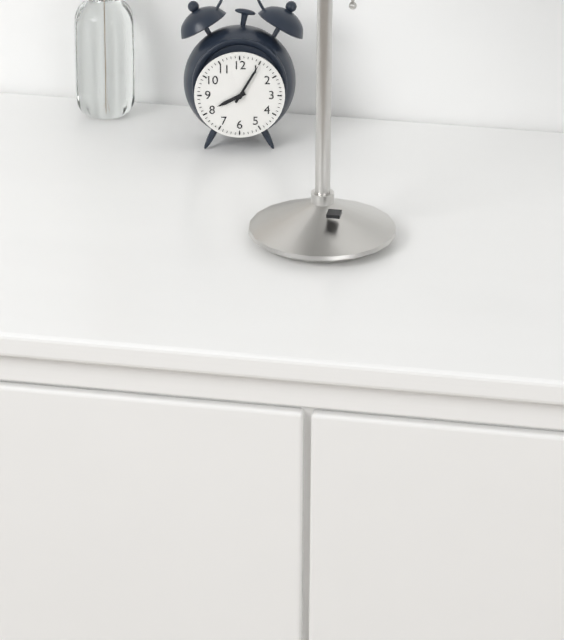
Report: 8:05
